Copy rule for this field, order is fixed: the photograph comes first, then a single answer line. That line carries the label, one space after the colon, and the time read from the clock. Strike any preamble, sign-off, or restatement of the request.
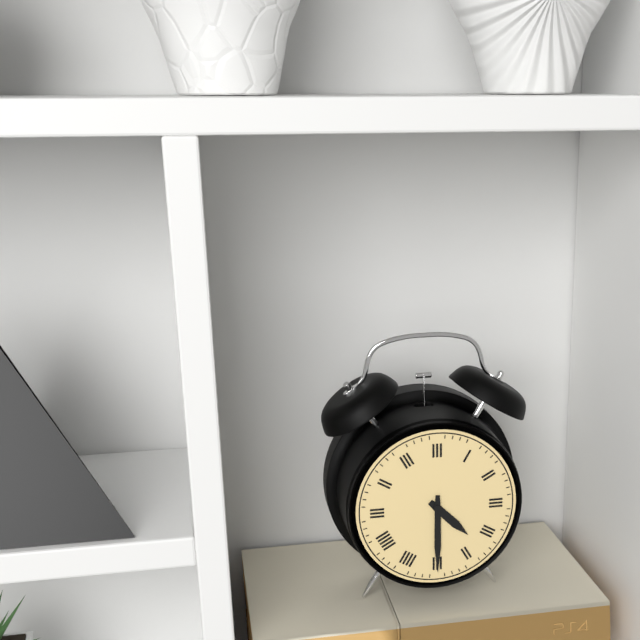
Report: 4:30
